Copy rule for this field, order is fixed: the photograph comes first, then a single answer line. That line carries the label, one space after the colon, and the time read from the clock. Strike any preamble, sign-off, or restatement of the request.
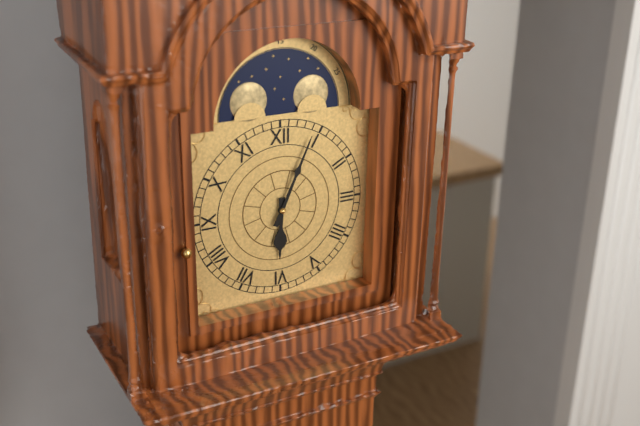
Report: 6:04
